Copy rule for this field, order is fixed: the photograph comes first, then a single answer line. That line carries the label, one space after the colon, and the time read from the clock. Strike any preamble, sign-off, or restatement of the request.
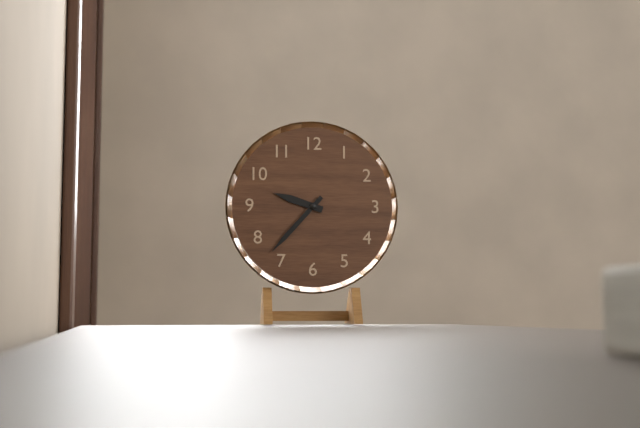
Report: 9:37
